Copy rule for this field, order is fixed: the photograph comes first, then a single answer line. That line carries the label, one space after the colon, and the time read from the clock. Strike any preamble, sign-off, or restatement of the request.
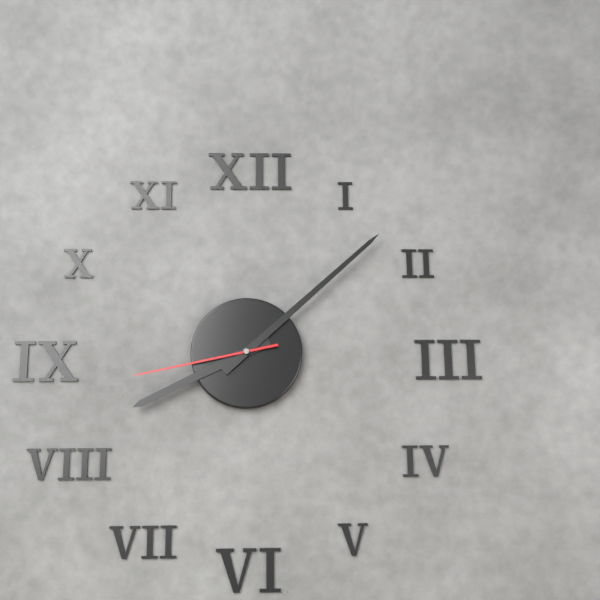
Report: 8:08:43
